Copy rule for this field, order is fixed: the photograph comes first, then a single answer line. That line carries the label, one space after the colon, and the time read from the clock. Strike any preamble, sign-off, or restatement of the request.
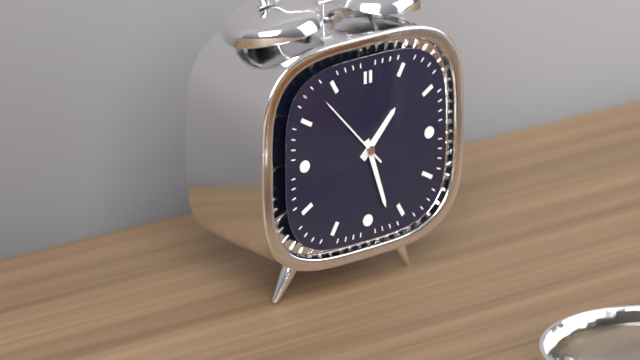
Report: 1:27:53
